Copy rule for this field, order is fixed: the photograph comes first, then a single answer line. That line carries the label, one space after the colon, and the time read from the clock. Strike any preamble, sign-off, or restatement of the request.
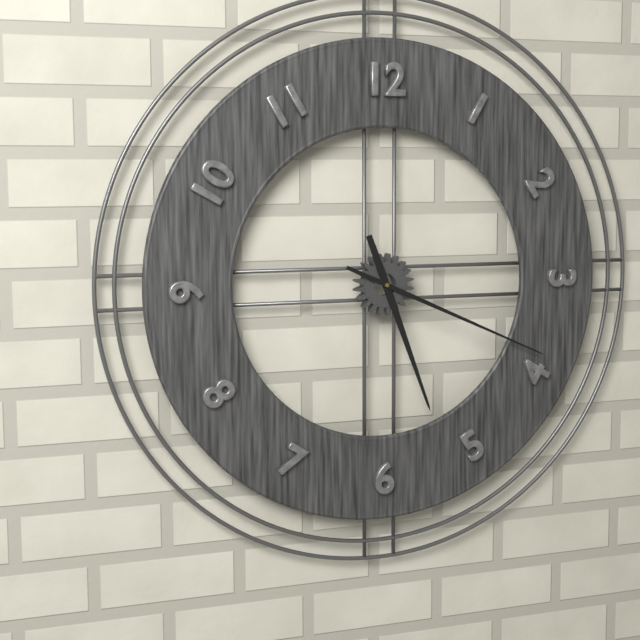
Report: 5:19
